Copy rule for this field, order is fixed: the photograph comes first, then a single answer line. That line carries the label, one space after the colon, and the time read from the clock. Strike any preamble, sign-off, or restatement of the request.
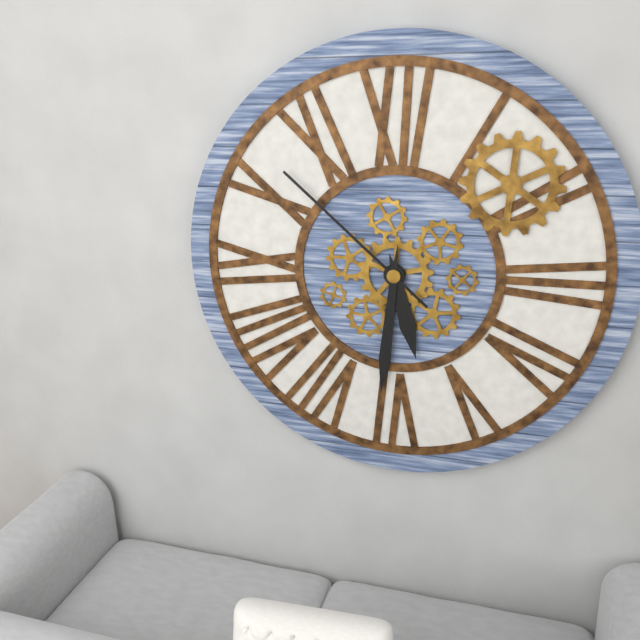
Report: 5:31:52
